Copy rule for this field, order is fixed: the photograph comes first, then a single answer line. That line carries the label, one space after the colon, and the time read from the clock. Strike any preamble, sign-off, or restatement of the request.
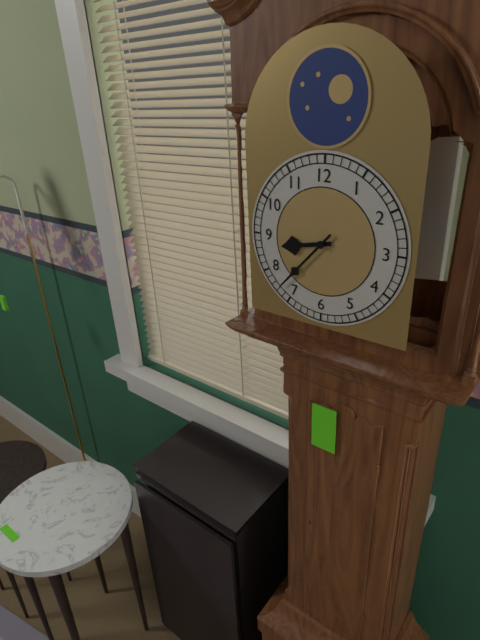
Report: 8:37
